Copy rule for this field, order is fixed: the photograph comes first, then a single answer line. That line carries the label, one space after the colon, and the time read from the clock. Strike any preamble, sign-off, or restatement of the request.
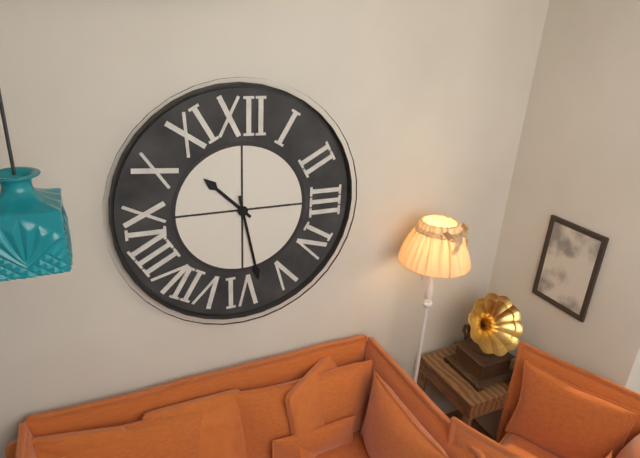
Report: 10:28
